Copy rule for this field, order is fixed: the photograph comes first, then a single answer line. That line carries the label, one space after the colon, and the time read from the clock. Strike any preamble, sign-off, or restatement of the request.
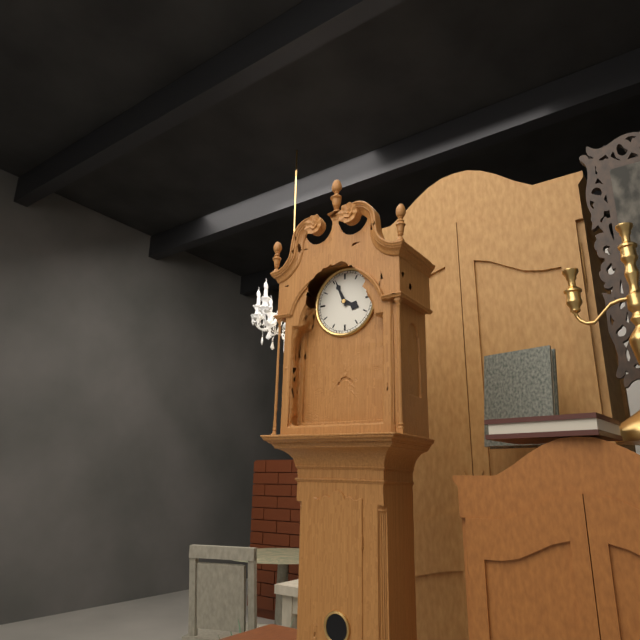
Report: 3:56
